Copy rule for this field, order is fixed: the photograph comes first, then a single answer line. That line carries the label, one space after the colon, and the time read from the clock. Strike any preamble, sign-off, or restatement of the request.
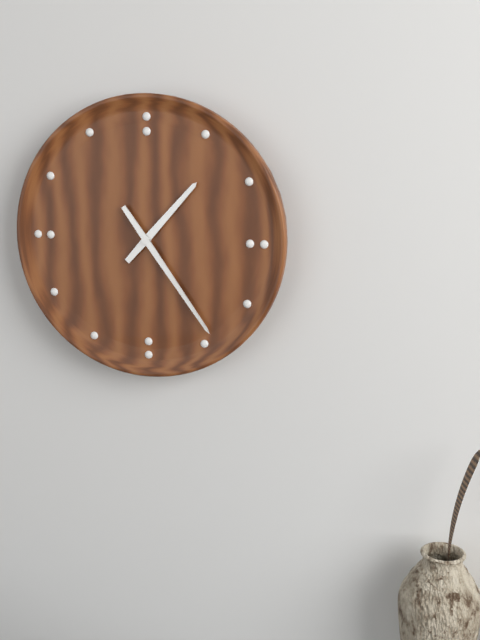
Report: 1:24
